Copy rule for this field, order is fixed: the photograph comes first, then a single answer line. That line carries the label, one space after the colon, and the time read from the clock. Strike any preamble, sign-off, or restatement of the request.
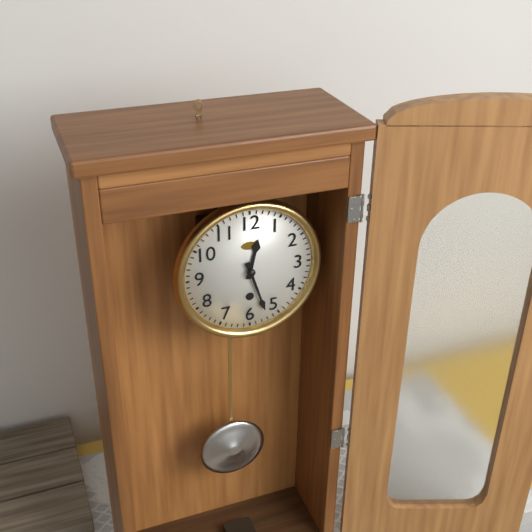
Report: 12:27
